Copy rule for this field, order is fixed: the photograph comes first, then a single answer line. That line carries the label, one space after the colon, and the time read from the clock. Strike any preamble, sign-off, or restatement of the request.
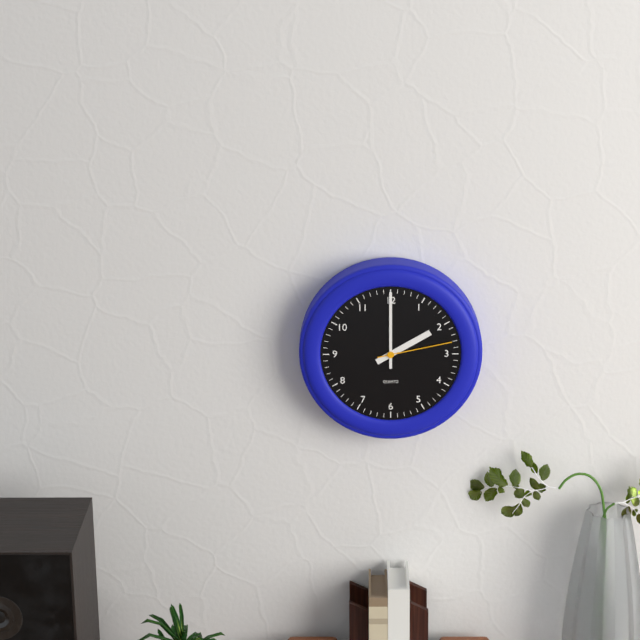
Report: 2:00:13
